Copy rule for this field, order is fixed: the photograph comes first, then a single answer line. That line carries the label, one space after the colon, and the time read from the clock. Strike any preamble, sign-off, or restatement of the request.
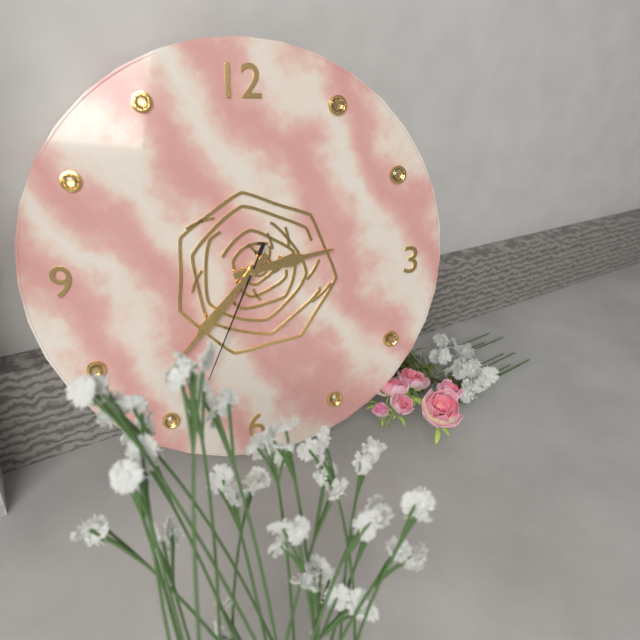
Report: 2:37:34
